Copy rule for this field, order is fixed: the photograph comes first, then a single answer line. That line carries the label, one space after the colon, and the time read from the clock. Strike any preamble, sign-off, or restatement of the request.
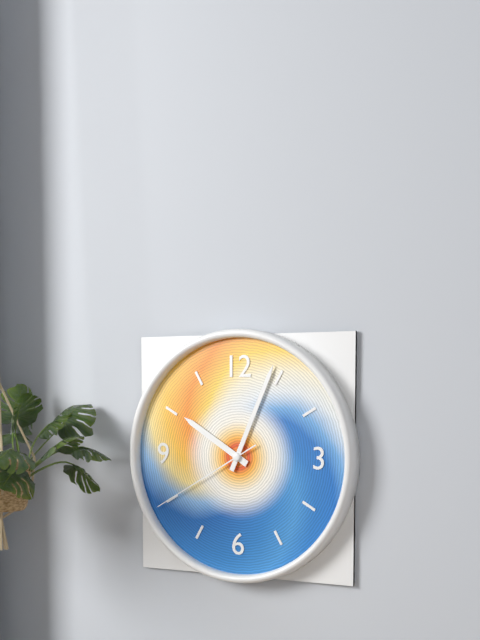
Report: 10:04:40
